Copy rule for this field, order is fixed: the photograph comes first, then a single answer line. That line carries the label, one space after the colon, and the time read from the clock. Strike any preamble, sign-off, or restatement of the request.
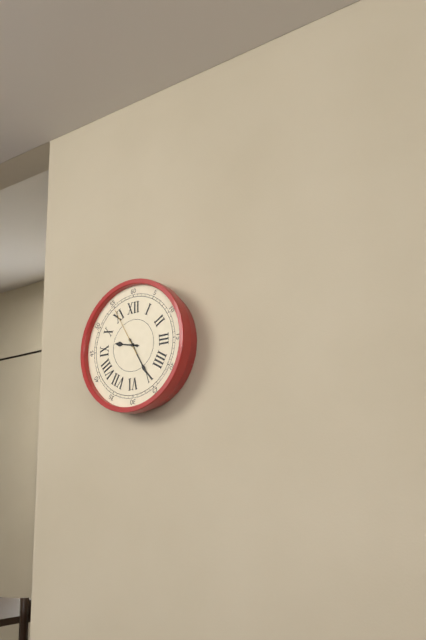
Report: 9:25
